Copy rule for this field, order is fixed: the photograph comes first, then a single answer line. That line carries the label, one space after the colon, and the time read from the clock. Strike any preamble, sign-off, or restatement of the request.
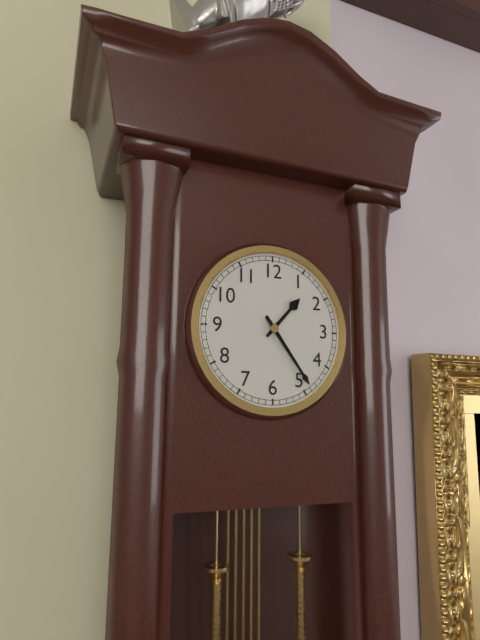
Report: 1:24
